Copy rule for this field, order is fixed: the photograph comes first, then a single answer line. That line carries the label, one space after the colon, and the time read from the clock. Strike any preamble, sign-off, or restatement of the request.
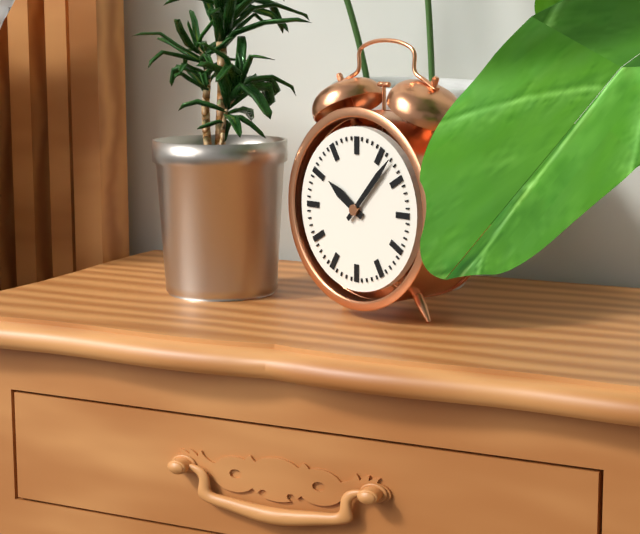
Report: 10:07
